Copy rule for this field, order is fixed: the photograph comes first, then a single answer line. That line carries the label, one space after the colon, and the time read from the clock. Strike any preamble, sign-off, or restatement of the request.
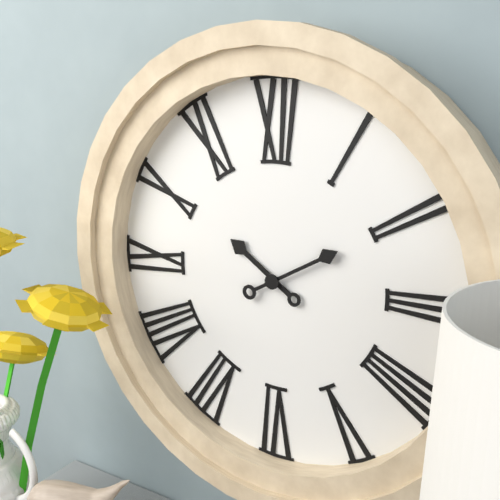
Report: 10:10
